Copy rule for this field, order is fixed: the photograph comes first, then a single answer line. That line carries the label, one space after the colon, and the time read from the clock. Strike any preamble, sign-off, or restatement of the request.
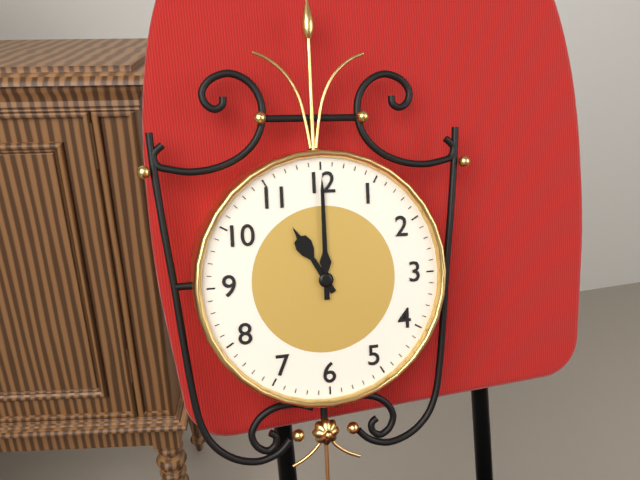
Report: 11:00
